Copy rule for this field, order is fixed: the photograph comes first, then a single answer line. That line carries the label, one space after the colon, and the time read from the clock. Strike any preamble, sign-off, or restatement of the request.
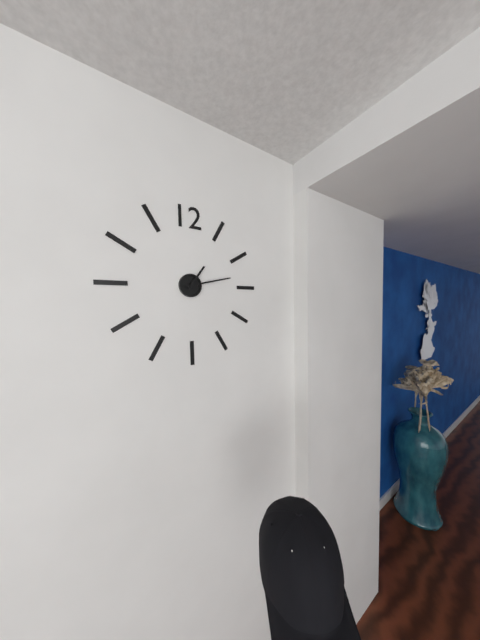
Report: 1:13
